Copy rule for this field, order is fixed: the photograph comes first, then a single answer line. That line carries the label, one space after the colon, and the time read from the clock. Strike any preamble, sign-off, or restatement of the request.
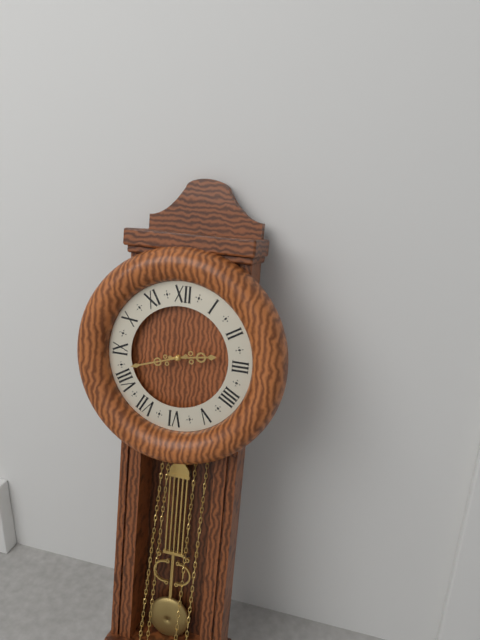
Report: 2:42
